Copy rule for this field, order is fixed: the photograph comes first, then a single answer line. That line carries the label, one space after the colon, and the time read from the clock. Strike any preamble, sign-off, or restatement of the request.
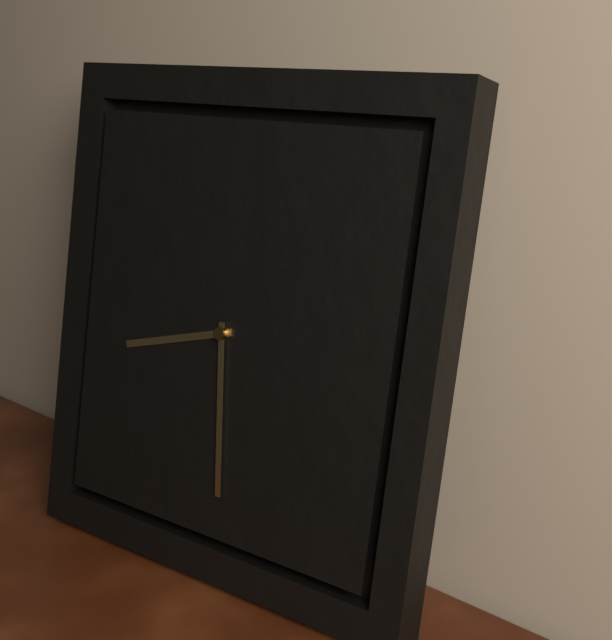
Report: 8:29
